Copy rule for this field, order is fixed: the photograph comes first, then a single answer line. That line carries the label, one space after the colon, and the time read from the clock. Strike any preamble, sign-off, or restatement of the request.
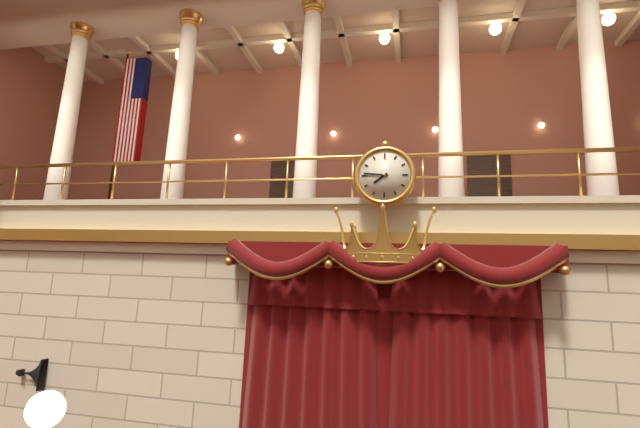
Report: 7:46
